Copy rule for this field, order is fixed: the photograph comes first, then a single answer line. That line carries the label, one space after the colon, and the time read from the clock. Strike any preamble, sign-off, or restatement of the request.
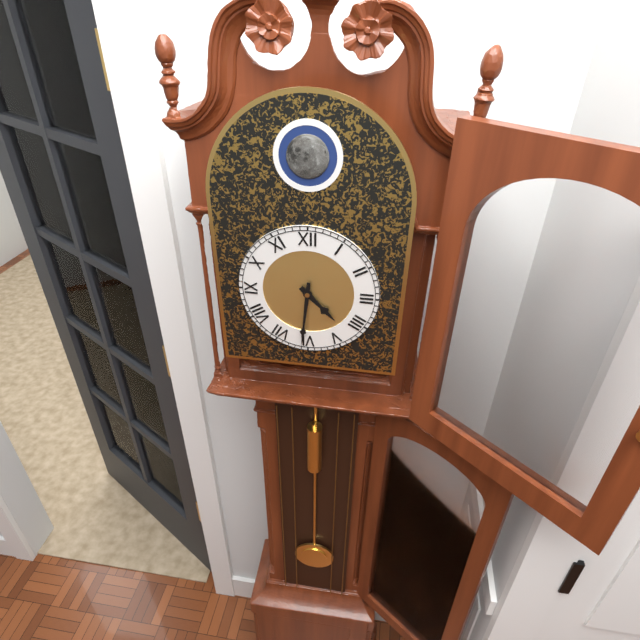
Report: 4:31
